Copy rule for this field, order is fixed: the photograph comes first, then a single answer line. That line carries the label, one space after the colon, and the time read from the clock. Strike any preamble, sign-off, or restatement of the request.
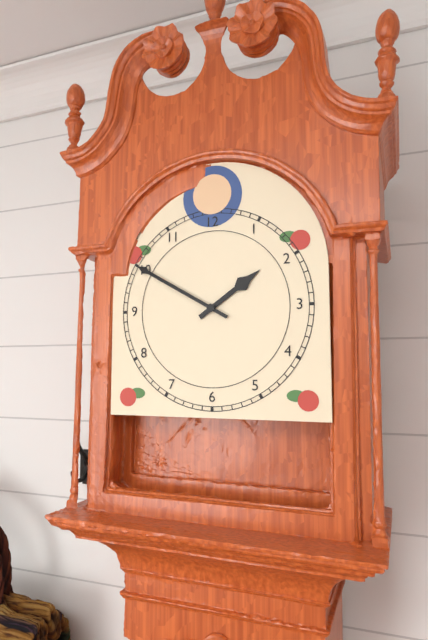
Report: 1:50
